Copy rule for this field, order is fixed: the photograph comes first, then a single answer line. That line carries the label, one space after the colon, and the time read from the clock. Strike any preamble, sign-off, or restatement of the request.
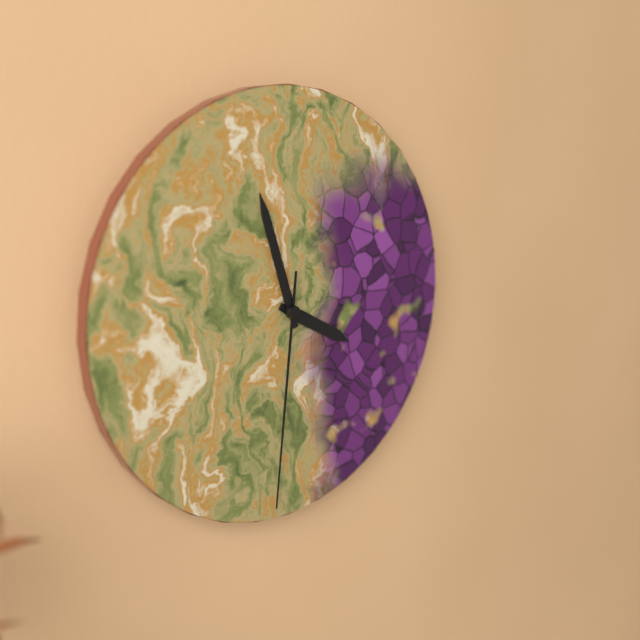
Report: 3:57:31
